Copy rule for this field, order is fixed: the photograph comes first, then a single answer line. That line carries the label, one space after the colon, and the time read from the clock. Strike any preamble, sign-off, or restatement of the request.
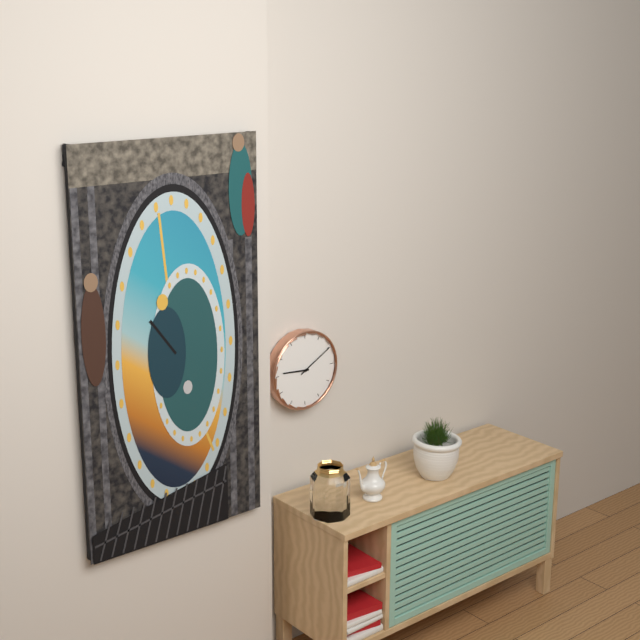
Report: 9:10
